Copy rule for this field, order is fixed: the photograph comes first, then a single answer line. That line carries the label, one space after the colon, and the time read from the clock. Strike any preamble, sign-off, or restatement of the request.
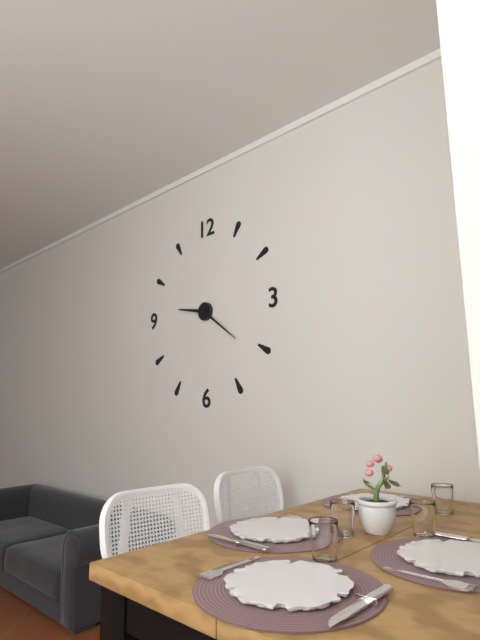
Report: 9:21
